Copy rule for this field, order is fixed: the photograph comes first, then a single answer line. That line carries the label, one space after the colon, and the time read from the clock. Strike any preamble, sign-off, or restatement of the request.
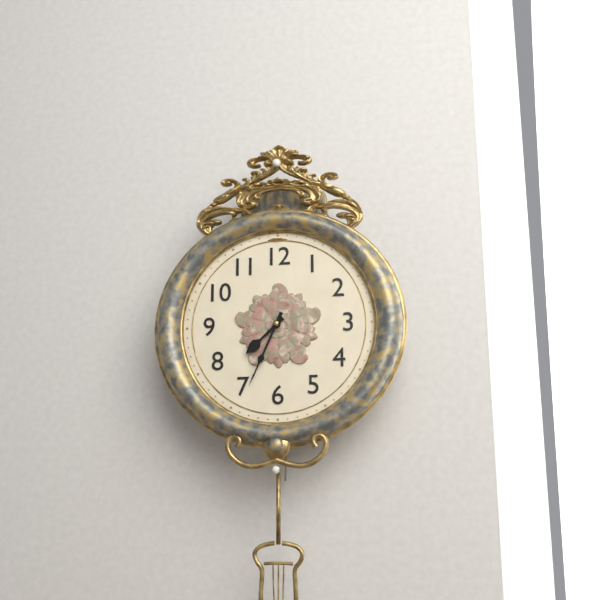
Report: 7:34
